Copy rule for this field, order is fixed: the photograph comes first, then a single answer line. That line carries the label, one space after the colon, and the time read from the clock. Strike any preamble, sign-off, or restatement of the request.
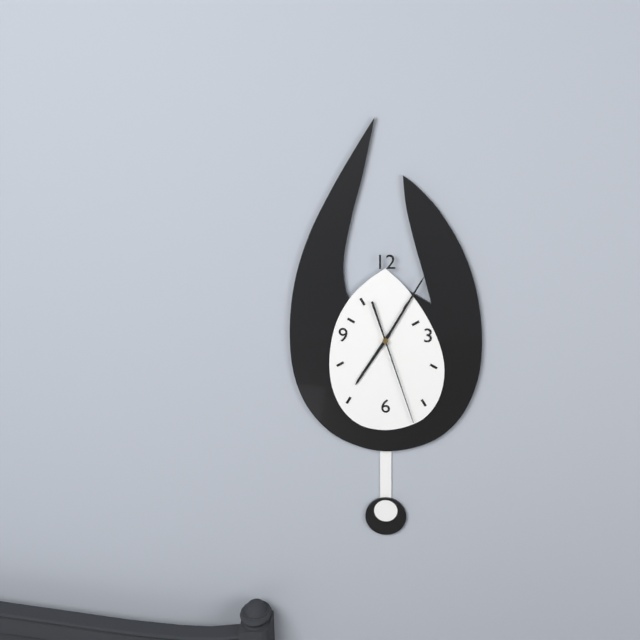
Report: 7:05:27
